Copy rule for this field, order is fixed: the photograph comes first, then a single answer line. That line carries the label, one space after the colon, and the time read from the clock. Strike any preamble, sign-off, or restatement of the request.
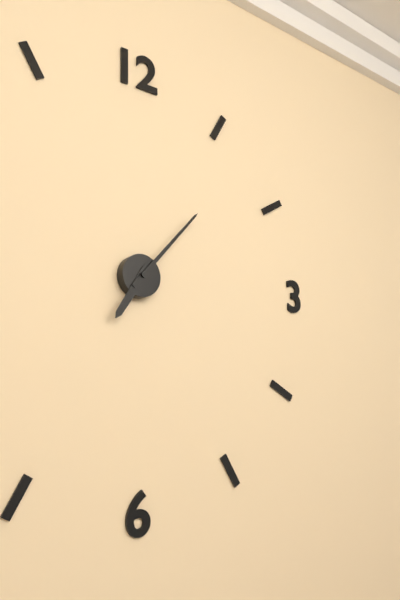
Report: 7:07
